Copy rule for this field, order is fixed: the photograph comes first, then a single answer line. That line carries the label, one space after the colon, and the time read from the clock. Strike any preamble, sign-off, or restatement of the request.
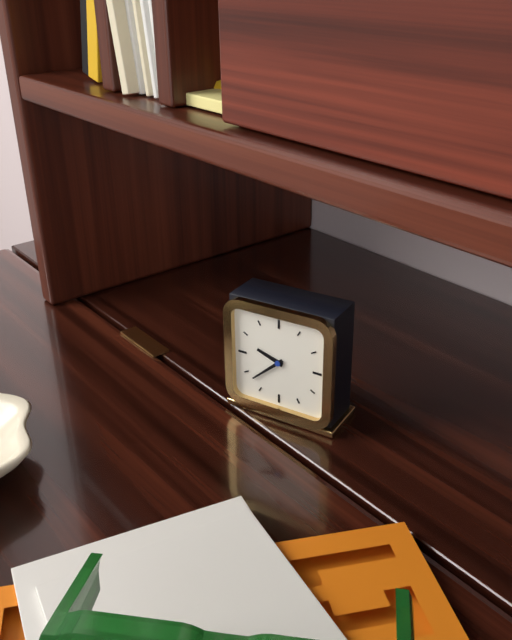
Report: 9:38
